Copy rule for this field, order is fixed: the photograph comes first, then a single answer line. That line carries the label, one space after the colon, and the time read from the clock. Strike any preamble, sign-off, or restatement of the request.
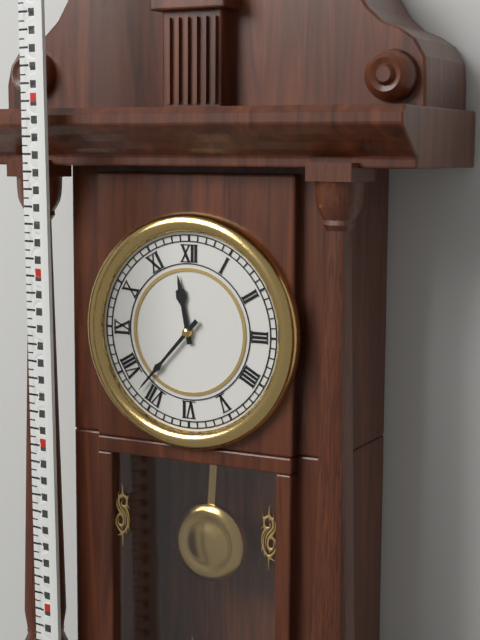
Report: 11:37
